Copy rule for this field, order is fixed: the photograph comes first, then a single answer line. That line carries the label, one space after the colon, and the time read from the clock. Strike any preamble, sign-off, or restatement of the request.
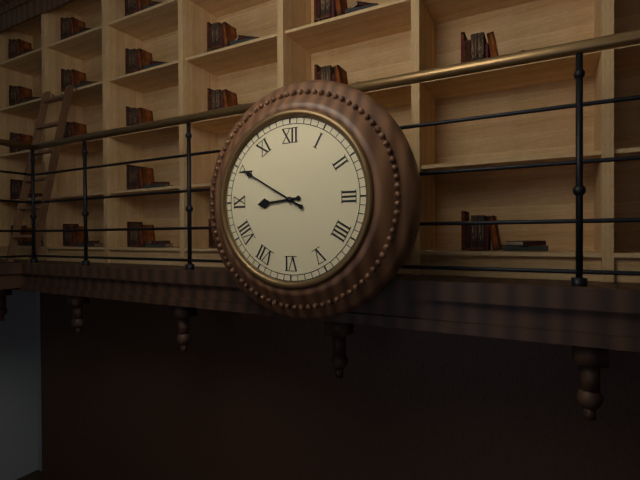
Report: 8:50
